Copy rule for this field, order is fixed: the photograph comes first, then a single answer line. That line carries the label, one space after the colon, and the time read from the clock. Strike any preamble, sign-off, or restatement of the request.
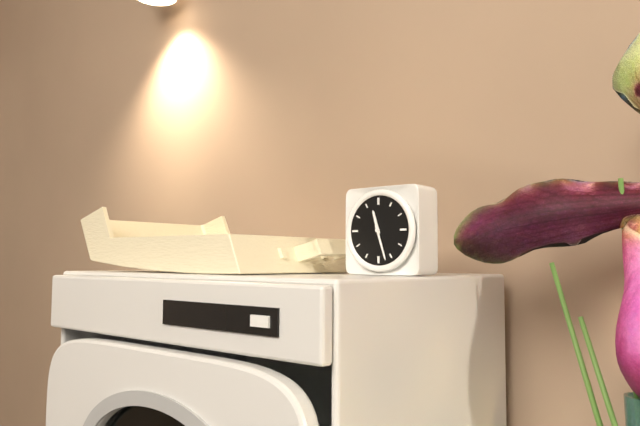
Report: 11:27
